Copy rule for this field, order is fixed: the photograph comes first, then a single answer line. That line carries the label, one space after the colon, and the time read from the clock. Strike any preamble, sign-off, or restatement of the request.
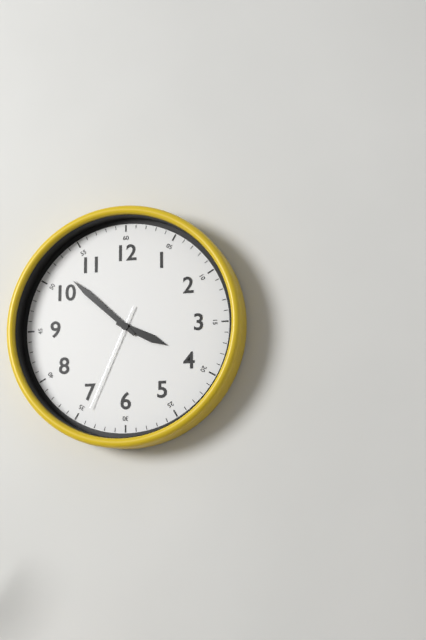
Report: 3:52:34
